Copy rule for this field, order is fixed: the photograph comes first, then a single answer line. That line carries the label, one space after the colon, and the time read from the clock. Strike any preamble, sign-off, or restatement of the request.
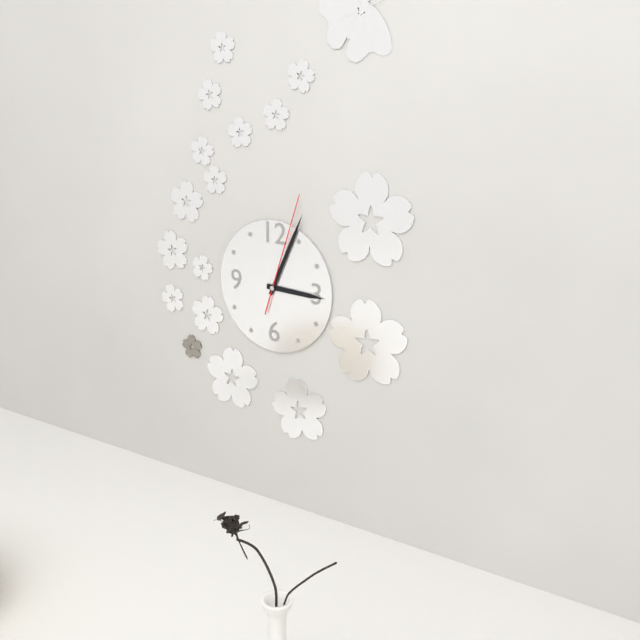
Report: 3:04:03
